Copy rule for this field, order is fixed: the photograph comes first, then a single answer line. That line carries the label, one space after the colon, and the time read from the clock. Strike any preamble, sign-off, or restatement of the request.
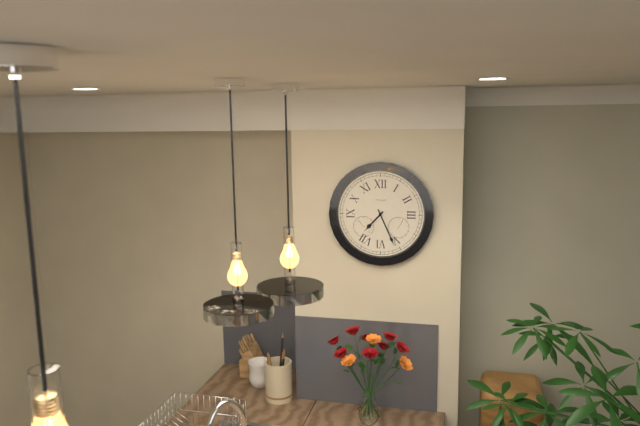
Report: 7:26
